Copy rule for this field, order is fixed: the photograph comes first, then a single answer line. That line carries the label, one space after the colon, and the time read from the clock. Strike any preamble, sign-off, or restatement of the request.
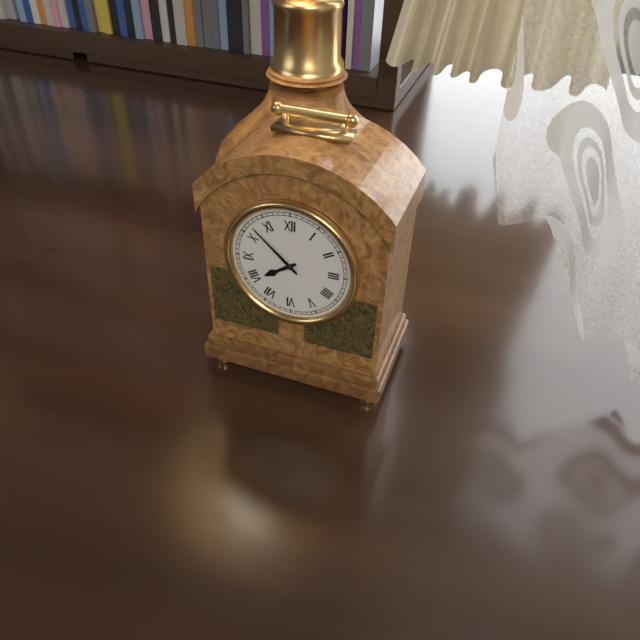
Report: 7:52
